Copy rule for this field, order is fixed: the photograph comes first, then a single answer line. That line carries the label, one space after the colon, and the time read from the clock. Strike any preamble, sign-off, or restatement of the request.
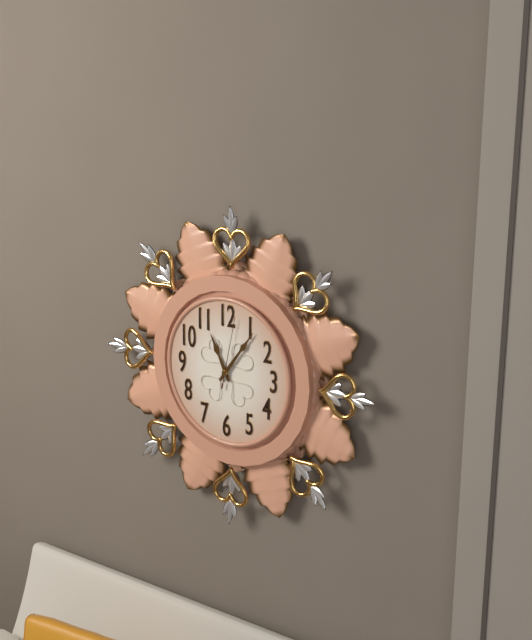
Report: 11:06:02
